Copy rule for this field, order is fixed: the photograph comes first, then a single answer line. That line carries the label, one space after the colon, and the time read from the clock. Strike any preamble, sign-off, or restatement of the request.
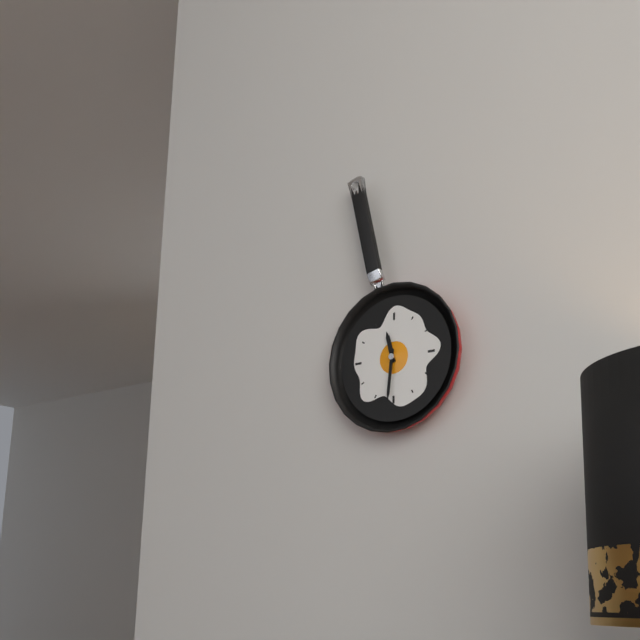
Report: 11:31
